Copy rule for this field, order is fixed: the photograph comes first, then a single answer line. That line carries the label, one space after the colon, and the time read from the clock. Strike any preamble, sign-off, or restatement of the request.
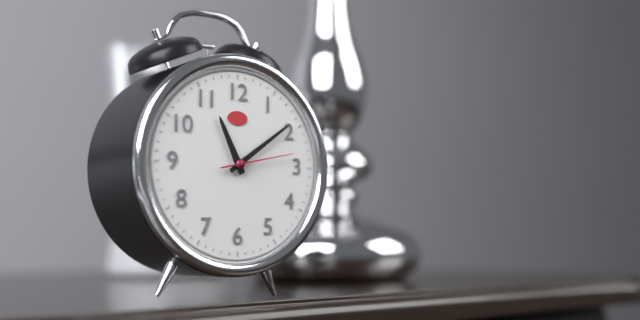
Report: 11:09:13
